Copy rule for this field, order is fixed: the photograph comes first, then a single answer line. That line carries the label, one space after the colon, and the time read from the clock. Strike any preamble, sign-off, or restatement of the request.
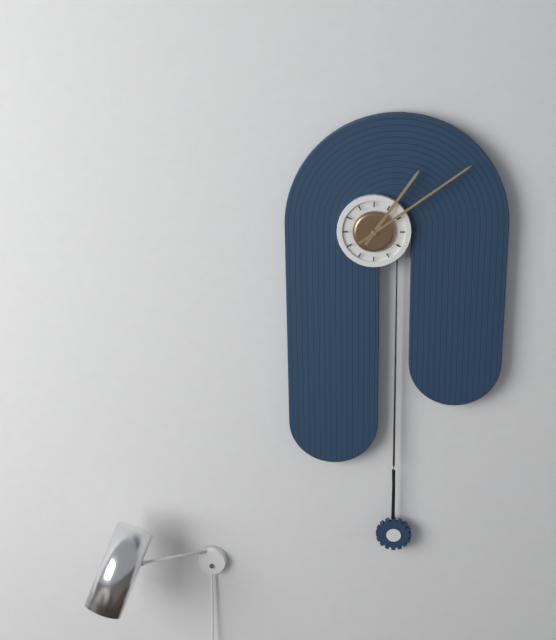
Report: 1:09
